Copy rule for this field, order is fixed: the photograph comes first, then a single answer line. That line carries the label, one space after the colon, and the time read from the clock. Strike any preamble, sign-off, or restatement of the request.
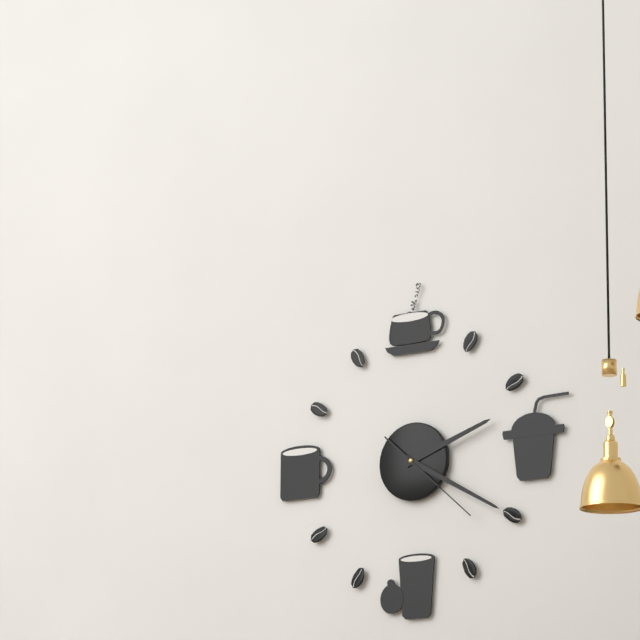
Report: 2:20:22
